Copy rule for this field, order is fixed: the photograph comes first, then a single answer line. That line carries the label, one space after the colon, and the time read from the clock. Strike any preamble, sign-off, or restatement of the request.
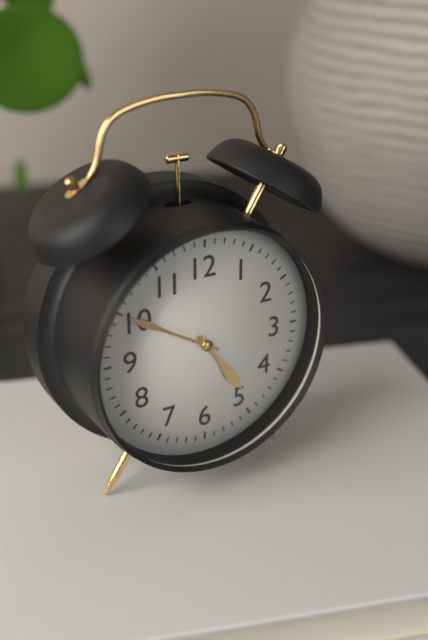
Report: 4:50
